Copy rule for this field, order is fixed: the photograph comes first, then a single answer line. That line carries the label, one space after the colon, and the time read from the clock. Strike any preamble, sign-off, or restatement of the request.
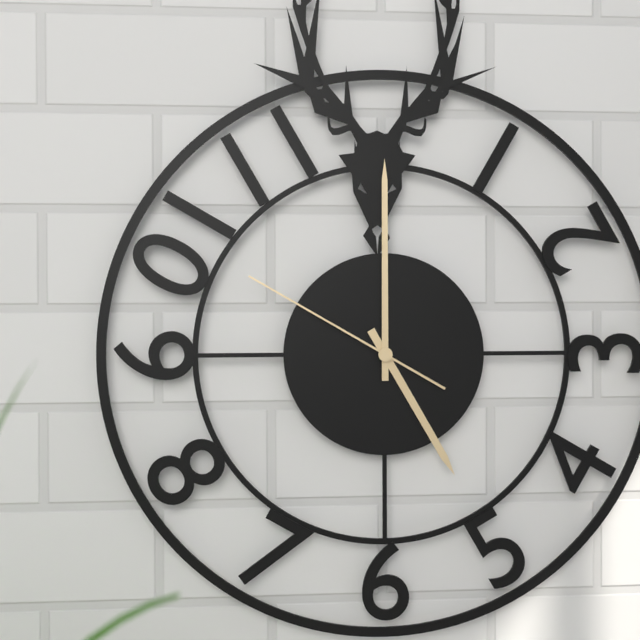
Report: 5:00:50
